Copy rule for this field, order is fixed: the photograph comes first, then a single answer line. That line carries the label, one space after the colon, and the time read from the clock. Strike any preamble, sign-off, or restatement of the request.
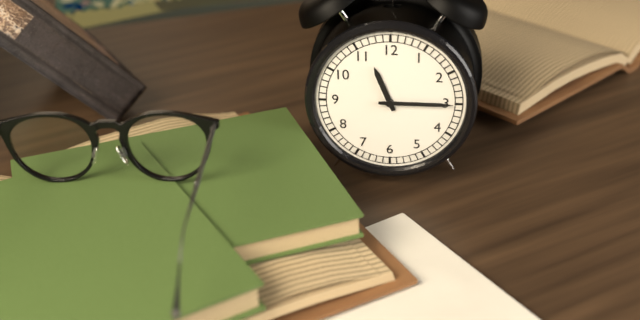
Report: 11:15
